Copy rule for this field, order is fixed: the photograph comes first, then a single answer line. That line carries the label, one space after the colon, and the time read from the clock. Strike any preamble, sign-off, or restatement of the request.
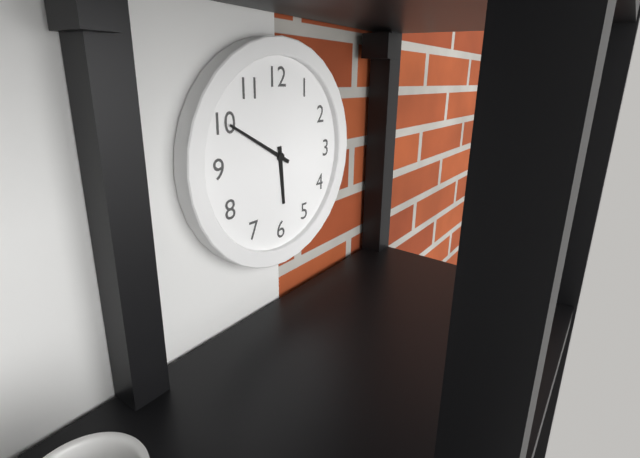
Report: 5:50
